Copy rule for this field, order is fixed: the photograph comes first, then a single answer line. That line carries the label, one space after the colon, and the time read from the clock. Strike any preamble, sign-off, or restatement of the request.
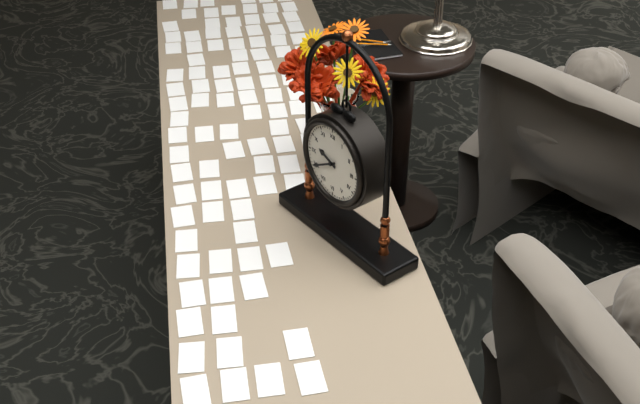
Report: 9:40
